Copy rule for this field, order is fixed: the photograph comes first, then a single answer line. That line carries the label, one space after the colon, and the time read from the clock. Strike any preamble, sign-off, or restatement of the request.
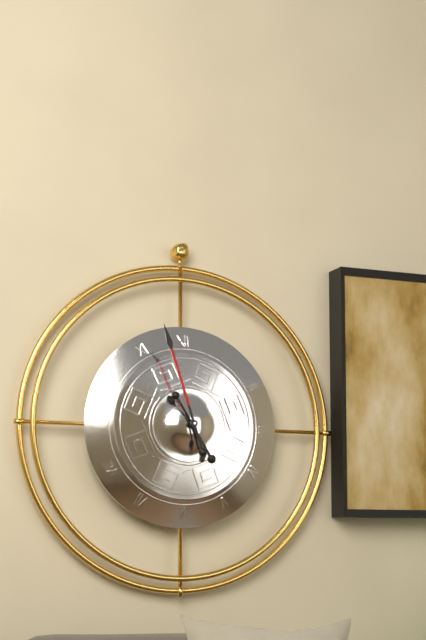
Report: 4:57
